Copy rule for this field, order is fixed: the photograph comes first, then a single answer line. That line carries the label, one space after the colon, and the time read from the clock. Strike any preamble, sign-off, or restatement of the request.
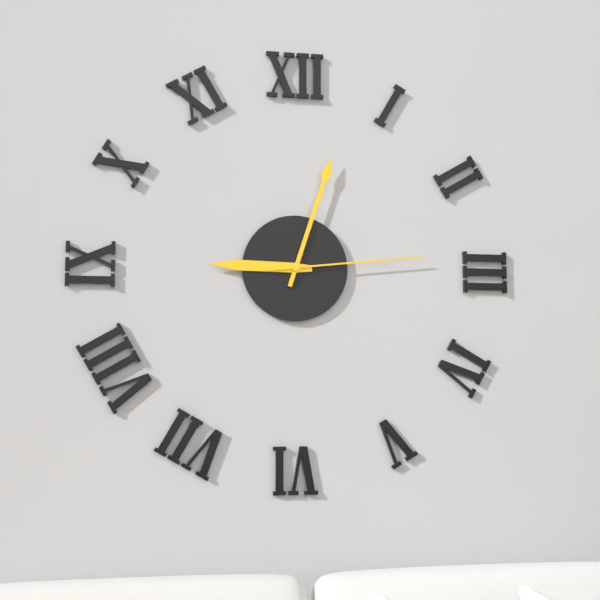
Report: 9:03:14
